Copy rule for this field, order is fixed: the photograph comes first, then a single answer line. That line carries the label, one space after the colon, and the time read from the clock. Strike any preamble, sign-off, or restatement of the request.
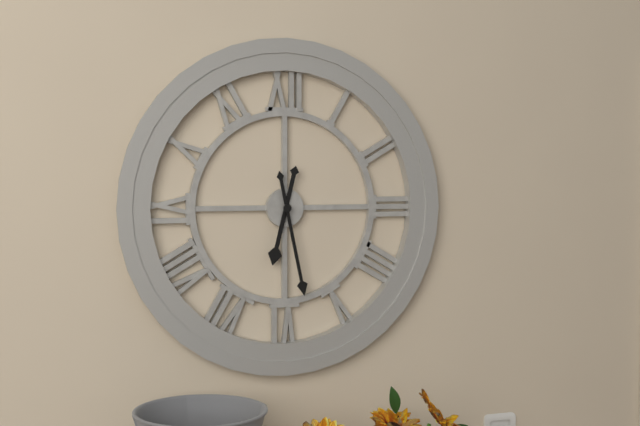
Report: 6:28
